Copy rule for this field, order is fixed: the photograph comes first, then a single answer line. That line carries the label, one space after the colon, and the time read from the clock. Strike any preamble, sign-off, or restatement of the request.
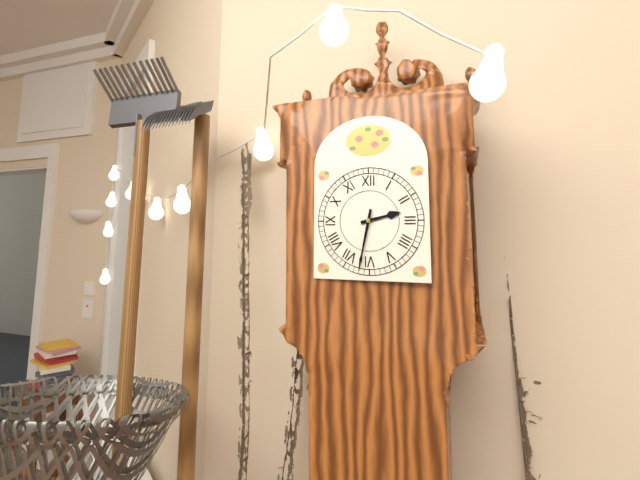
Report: 2:32
